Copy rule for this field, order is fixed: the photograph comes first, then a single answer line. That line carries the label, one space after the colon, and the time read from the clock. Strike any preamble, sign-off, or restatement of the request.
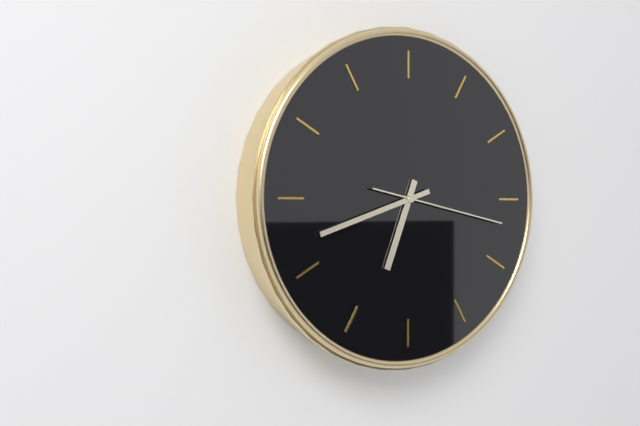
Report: 6:42:17
